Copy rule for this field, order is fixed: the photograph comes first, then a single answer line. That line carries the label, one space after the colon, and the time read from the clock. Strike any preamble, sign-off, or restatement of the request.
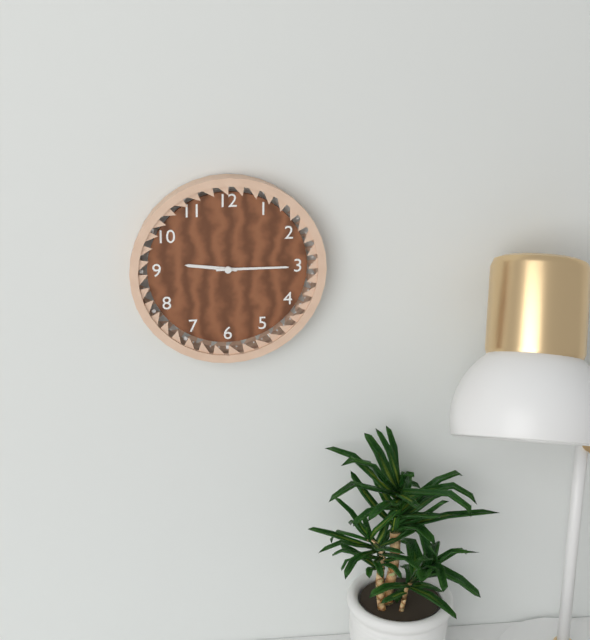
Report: 9:15
